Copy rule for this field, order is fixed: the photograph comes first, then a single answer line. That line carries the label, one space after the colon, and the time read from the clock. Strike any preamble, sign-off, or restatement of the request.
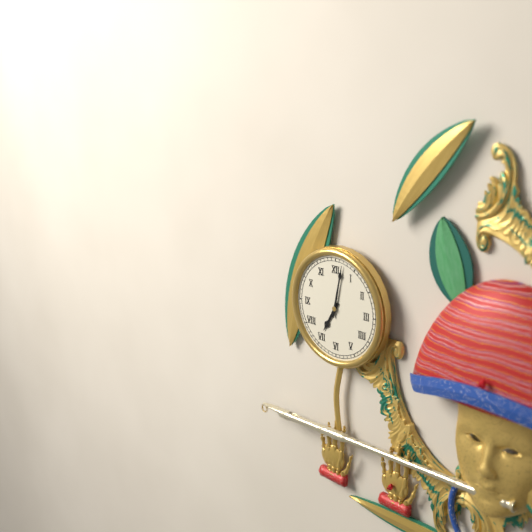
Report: 7:02
